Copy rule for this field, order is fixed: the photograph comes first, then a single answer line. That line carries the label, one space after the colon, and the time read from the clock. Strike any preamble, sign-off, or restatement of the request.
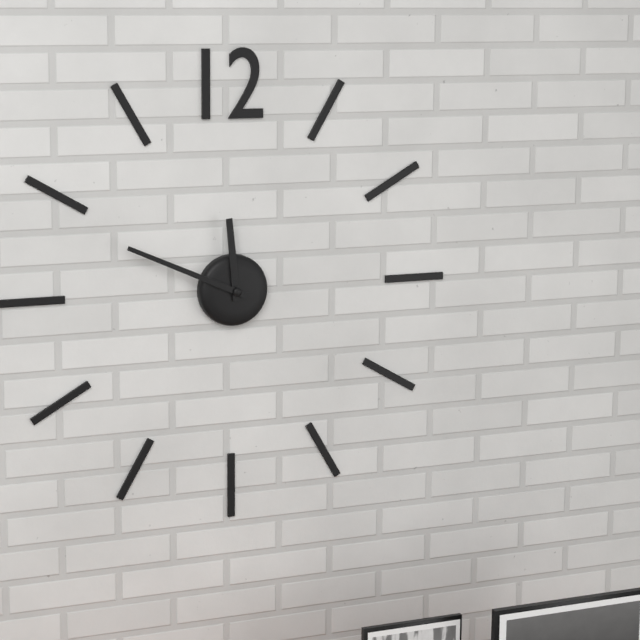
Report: 11:49
